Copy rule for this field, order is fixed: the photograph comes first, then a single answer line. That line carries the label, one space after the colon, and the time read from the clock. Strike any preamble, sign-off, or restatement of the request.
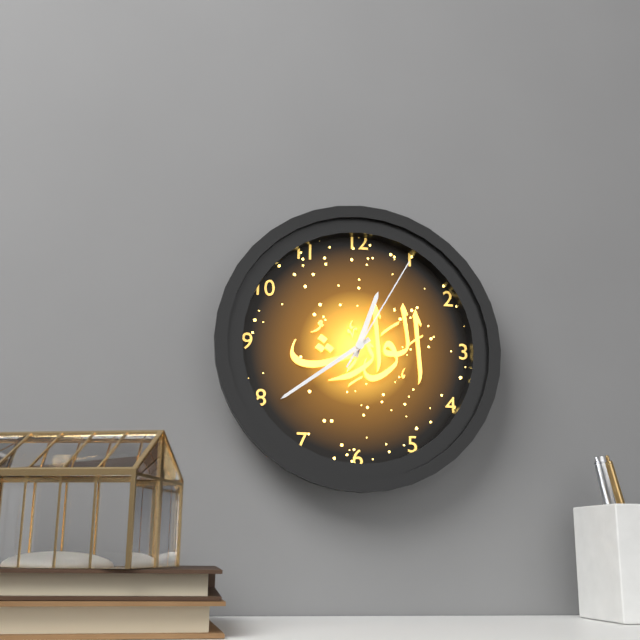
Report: 12:39:05
